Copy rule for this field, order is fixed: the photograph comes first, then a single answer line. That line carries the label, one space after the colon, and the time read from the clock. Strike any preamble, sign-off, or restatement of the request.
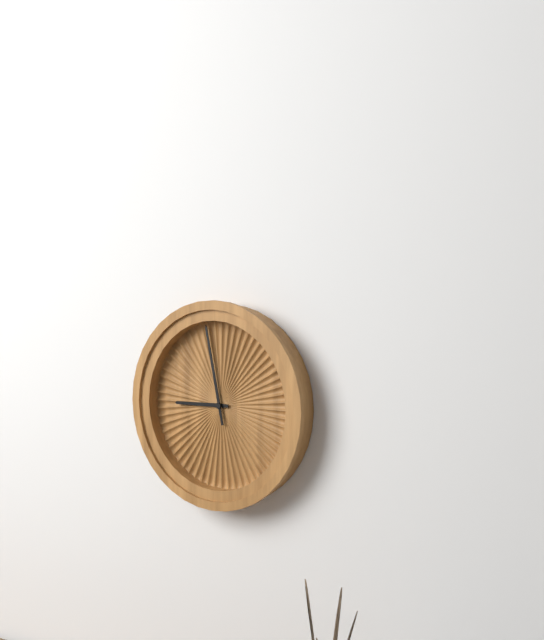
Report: 8:58
